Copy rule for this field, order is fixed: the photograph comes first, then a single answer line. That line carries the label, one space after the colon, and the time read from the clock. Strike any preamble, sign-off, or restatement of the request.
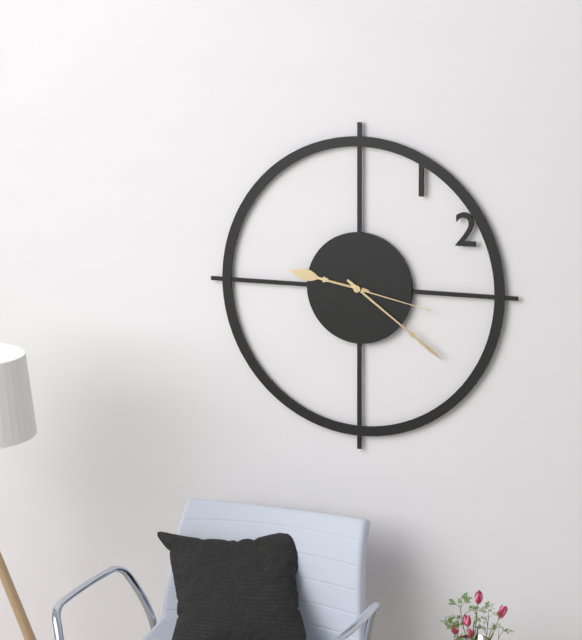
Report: 9:21:17
